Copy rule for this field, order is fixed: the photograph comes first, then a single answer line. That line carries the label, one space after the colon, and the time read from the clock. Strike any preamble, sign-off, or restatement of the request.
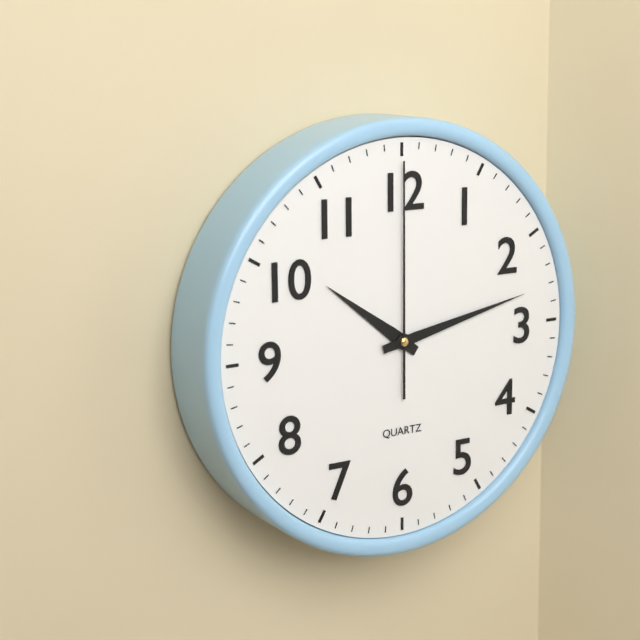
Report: 10:13:00
